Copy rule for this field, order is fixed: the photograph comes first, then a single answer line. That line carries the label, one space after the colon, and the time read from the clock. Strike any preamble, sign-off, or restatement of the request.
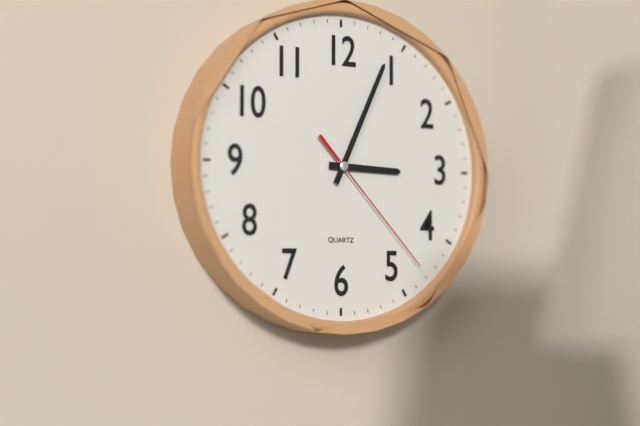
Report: 3:04:23
